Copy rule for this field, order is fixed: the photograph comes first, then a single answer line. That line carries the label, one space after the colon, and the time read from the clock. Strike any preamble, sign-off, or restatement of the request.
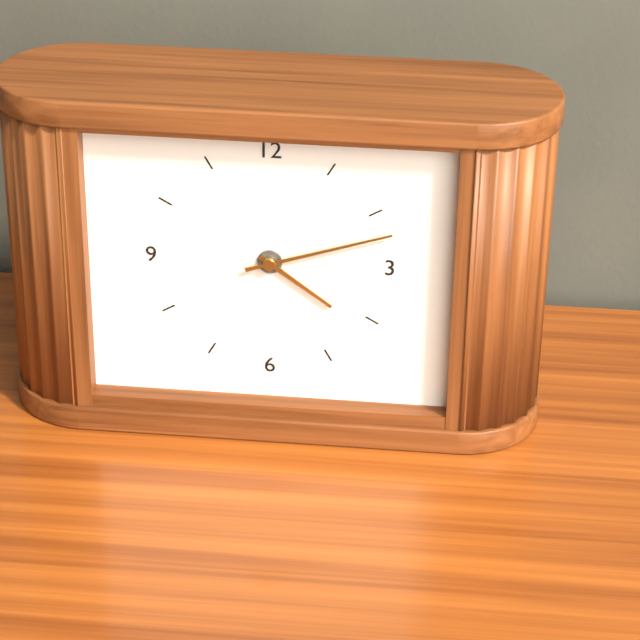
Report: 4:12
